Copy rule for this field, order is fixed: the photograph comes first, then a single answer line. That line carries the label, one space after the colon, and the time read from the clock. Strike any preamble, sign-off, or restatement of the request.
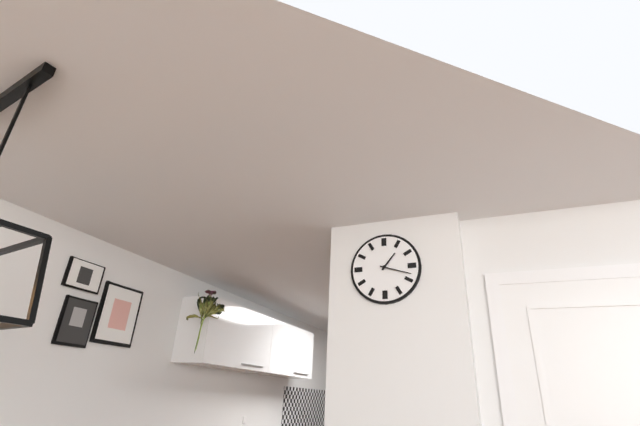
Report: 1:18
